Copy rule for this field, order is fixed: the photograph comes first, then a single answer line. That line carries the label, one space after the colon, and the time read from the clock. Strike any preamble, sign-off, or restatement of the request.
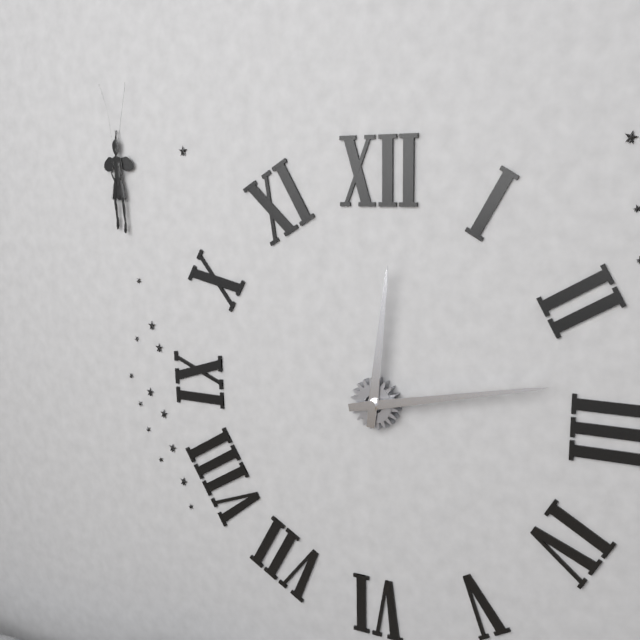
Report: 12:13
